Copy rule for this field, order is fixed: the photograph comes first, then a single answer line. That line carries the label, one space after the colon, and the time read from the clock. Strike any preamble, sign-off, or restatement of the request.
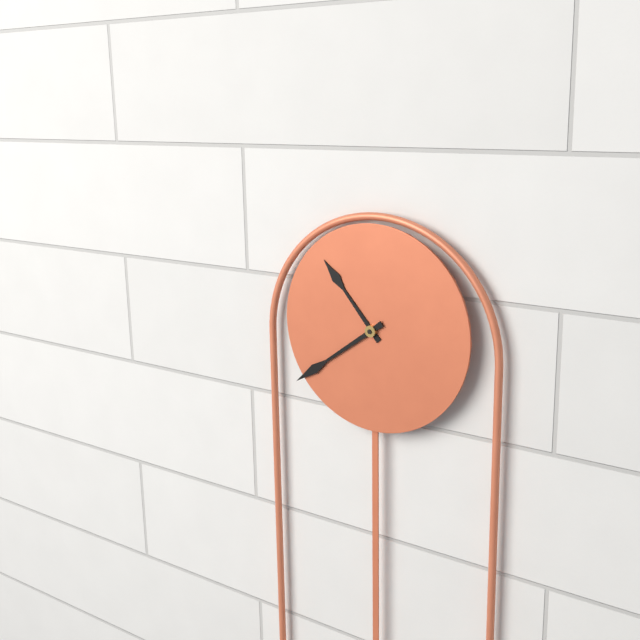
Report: 10:39
